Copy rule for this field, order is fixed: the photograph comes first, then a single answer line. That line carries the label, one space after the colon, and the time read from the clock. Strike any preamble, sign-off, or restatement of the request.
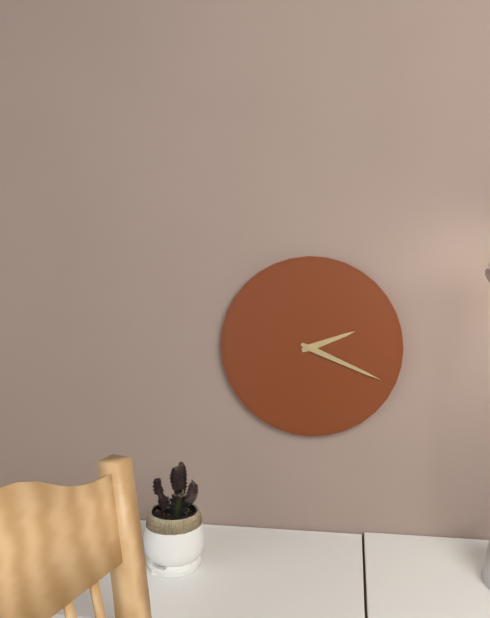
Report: 2:19
